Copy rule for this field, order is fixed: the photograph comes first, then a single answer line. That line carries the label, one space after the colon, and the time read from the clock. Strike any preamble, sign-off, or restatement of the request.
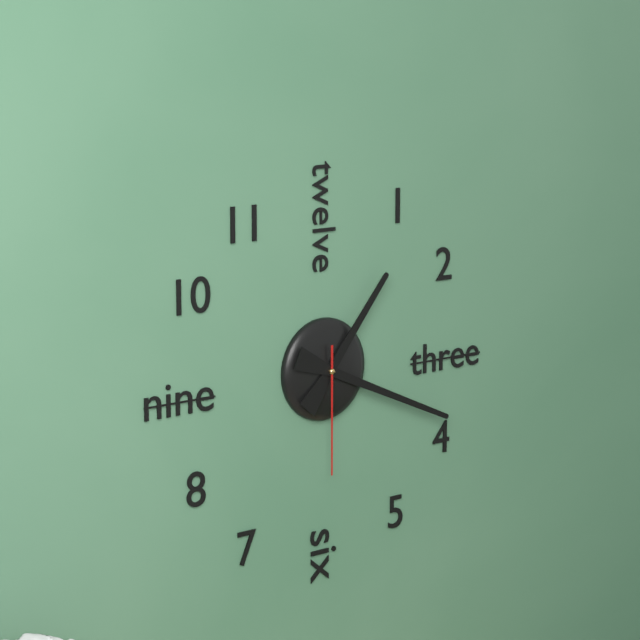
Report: 1:19:30
